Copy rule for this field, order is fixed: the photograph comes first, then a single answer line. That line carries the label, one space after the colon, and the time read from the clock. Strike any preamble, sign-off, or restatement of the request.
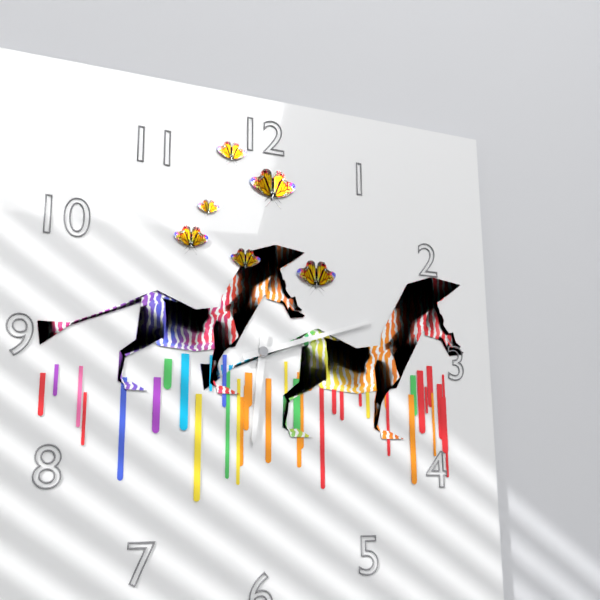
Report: 6:12
